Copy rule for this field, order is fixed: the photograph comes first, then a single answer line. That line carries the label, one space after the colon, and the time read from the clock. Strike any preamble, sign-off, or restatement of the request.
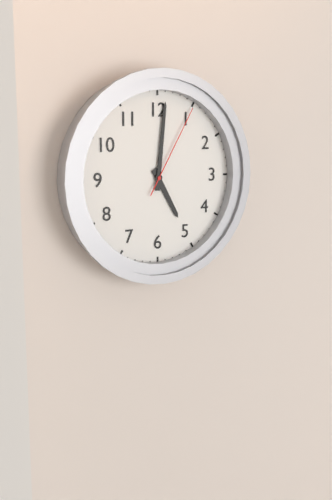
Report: 5:01:05
